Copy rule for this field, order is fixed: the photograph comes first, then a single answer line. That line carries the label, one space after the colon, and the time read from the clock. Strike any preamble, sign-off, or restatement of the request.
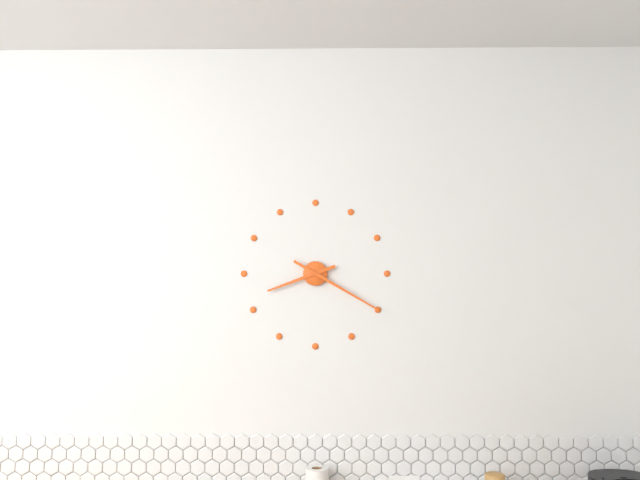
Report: 8:20
